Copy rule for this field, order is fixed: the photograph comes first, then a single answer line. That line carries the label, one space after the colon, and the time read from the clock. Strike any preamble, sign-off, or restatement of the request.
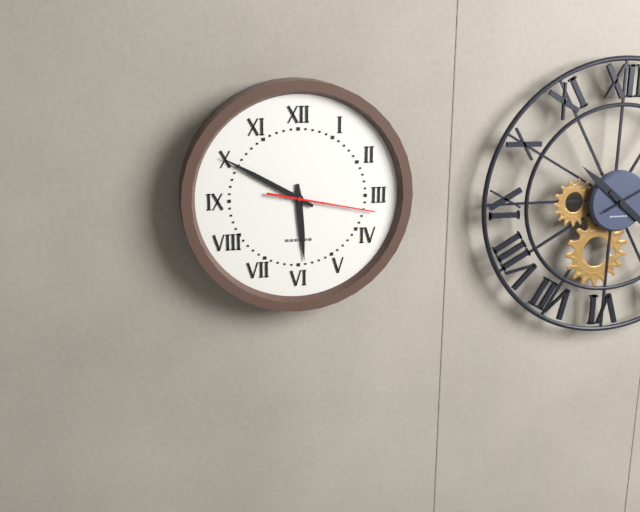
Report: 5:50:17
